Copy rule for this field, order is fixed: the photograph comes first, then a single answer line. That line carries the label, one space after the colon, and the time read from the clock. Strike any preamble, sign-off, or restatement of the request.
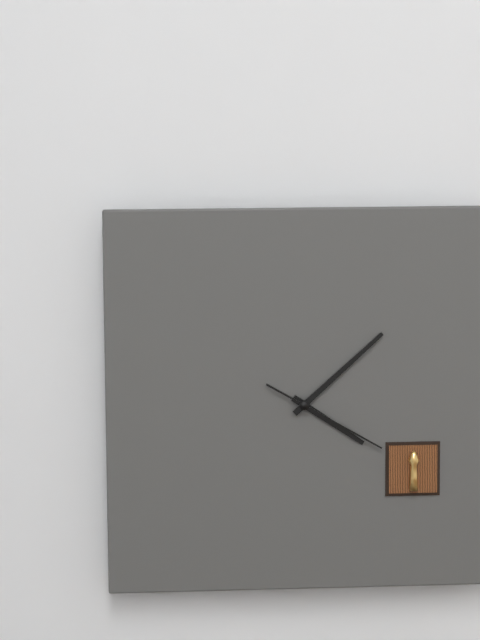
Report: 4:08:20
